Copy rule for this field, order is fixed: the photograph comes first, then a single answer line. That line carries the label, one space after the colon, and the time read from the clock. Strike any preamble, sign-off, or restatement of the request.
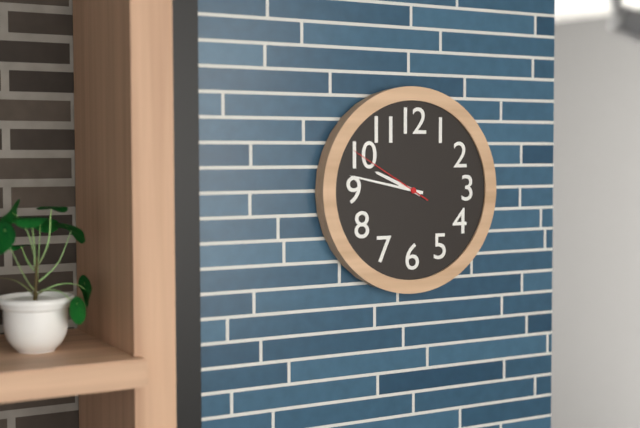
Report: 9:47:50
